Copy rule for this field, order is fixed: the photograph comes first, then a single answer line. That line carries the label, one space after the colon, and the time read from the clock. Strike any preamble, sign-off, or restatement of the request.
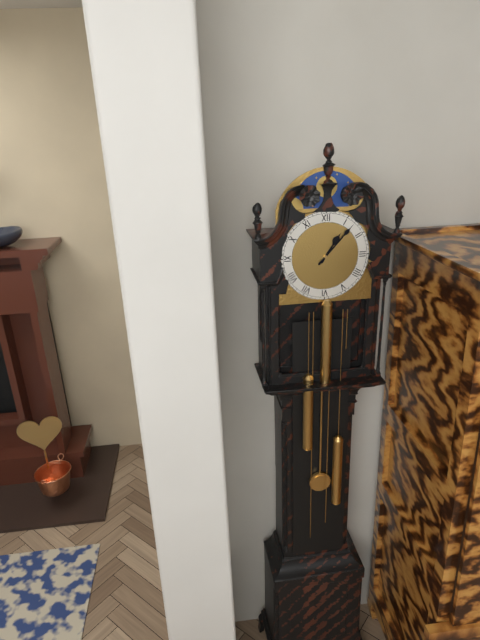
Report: 1:07
